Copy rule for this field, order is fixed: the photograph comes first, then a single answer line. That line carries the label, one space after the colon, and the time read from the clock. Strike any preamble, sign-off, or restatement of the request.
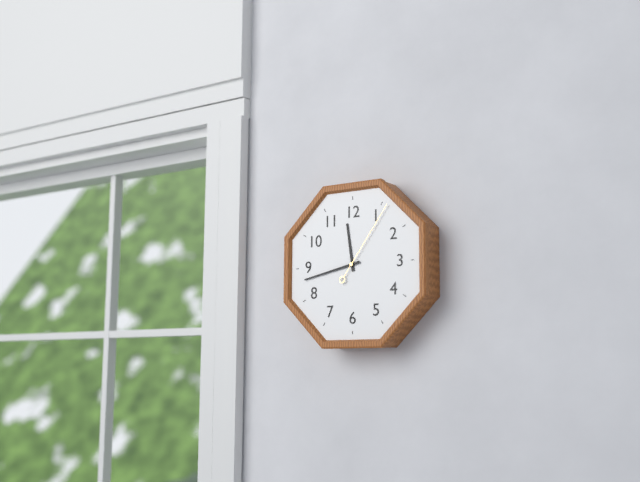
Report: 11:43:06
